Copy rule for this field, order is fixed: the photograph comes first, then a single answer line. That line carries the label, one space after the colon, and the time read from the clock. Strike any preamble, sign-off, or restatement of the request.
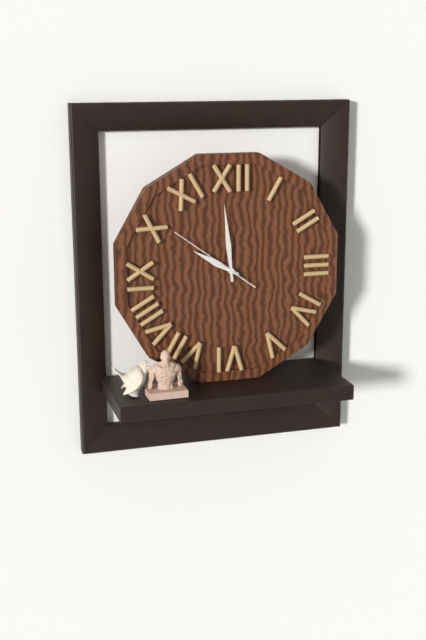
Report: 9:59:51
